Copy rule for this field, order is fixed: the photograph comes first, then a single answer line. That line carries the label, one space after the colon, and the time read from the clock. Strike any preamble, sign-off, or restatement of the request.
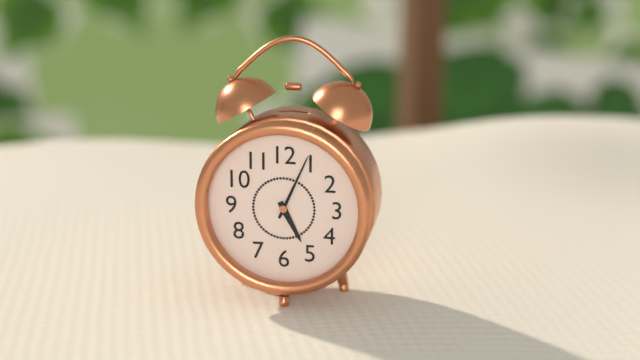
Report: 5:04
